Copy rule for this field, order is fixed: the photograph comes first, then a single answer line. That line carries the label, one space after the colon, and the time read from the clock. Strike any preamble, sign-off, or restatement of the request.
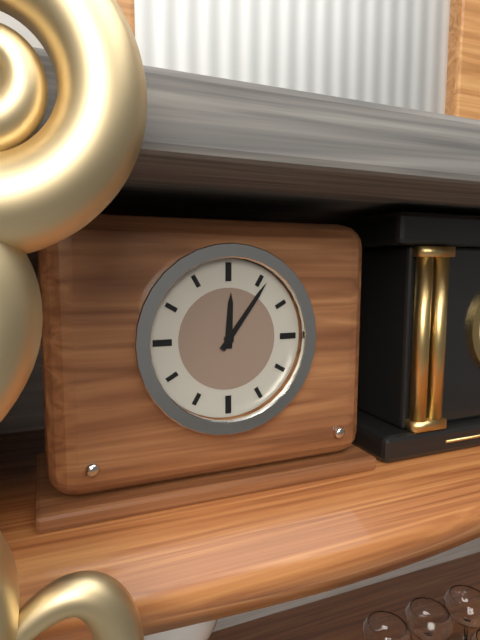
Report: 12:06
